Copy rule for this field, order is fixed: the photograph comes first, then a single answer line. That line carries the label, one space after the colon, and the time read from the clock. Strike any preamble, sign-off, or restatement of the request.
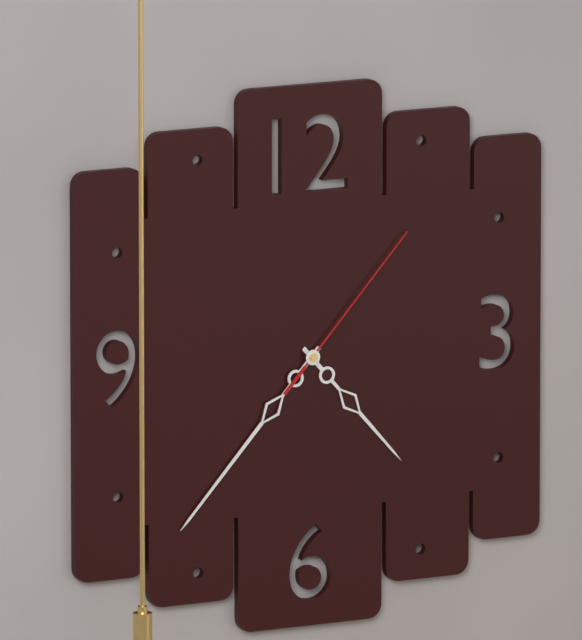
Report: 4:37:07
